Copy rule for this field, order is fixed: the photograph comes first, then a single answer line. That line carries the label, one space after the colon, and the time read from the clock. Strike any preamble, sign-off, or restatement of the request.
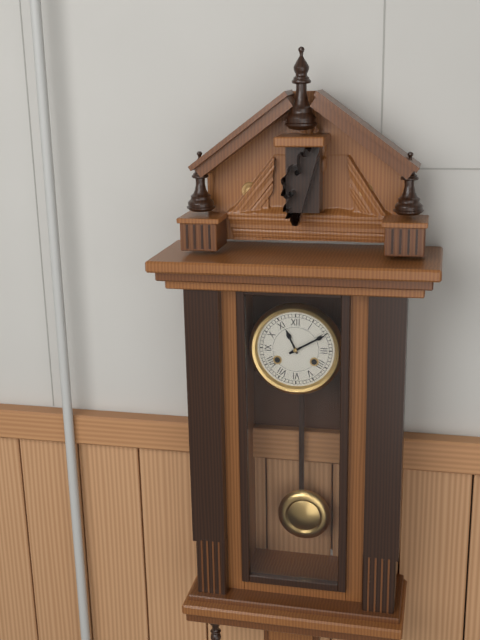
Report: 11:10
